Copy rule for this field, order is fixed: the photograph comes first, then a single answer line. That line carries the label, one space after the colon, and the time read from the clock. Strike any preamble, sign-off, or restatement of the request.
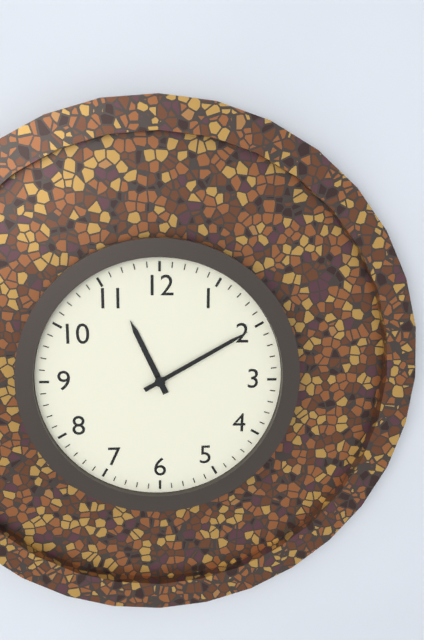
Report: 11:10
